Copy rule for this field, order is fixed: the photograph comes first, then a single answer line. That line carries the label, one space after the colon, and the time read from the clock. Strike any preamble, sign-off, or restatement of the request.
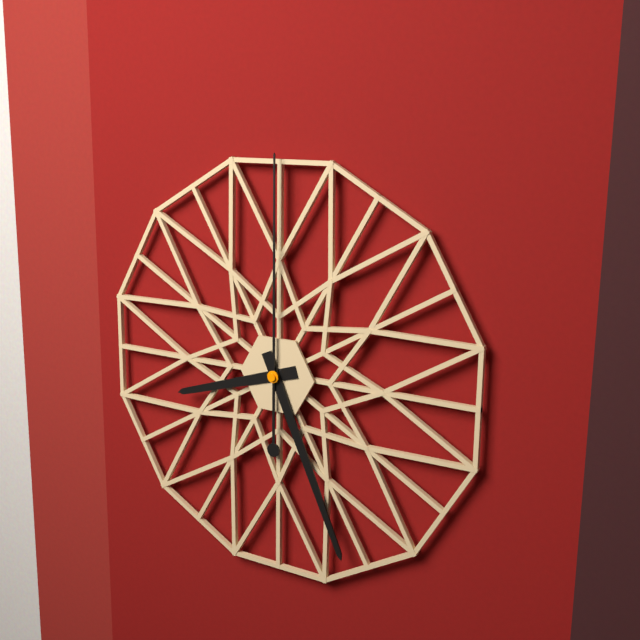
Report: 8:26:00
